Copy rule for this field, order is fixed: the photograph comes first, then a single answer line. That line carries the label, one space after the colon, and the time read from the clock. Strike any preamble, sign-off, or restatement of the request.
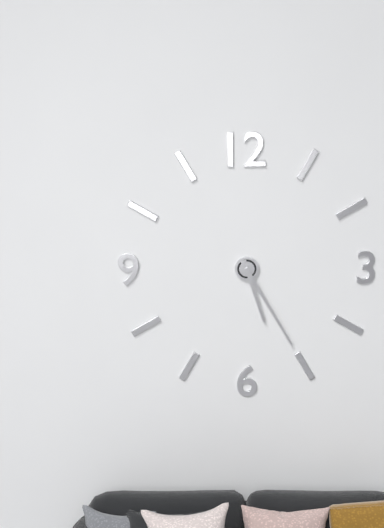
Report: 5:25
